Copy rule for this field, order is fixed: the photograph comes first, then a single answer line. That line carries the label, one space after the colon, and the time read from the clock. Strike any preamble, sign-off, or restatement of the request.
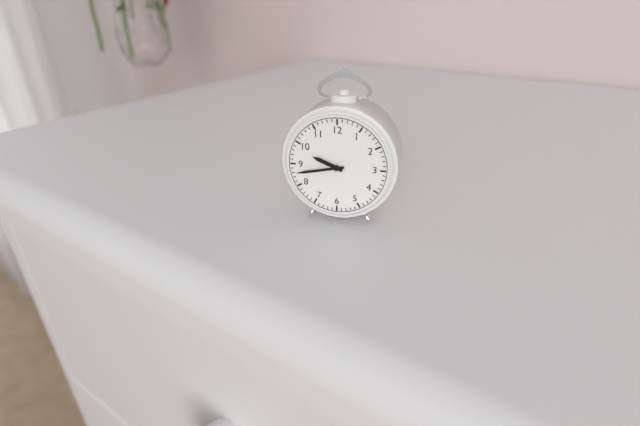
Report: 9:43
